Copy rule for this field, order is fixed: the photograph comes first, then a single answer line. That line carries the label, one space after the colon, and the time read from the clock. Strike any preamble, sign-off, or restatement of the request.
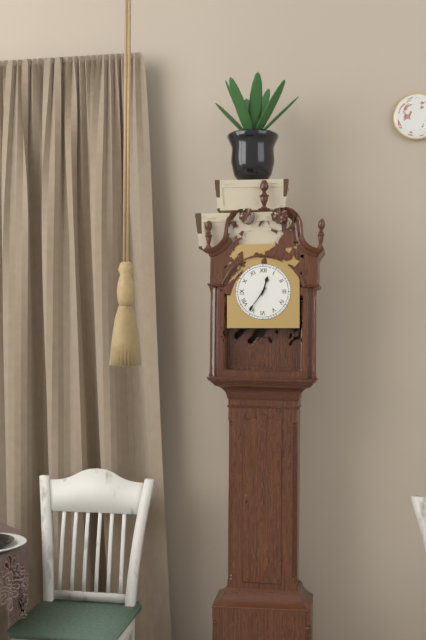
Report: 12:36
